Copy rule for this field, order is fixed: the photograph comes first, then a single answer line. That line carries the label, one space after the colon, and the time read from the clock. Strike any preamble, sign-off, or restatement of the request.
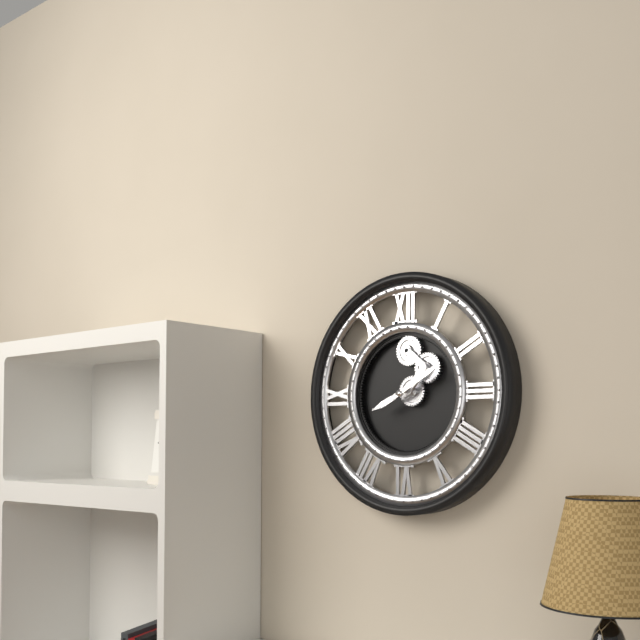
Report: 8:10
